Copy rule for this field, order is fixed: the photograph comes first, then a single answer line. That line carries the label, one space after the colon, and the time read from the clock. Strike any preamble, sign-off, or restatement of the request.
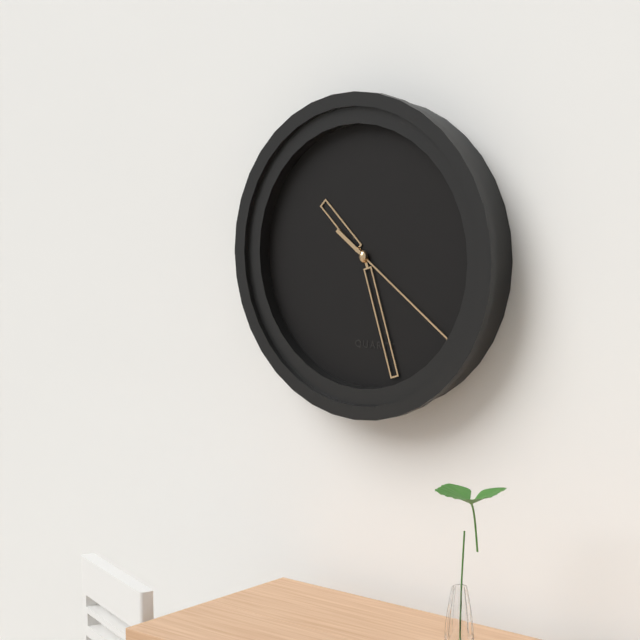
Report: 10:27:21
